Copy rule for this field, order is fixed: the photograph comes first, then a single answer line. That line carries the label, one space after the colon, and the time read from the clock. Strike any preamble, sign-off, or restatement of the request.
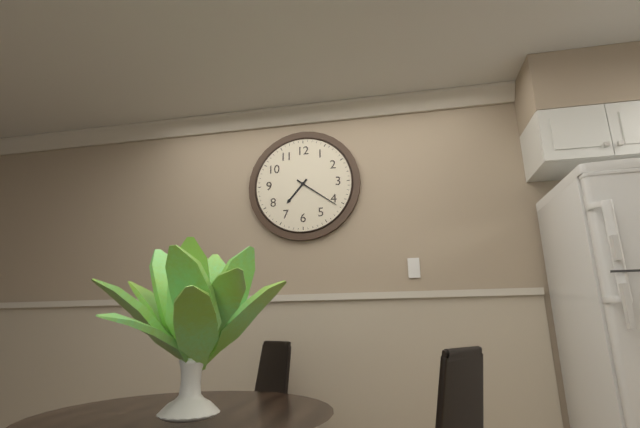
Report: 7:21
